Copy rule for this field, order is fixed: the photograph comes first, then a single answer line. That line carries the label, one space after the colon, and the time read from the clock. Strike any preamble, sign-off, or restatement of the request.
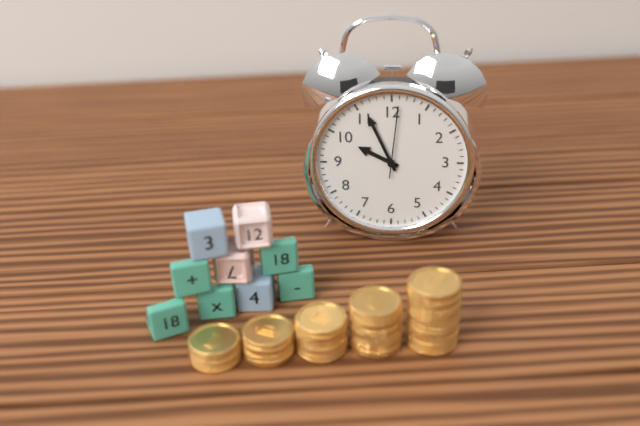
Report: 9:56:01
